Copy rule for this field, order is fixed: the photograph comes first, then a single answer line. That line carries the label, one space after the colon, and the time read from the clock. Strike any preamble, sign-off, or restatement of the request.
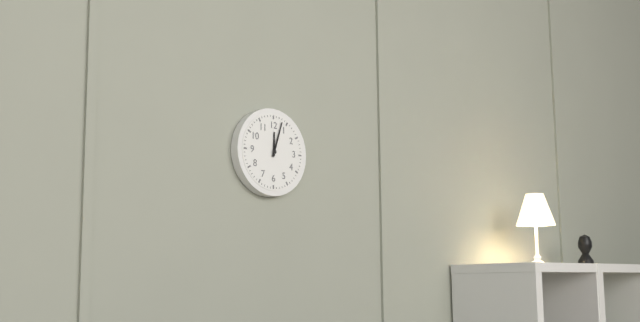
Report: 12:03
